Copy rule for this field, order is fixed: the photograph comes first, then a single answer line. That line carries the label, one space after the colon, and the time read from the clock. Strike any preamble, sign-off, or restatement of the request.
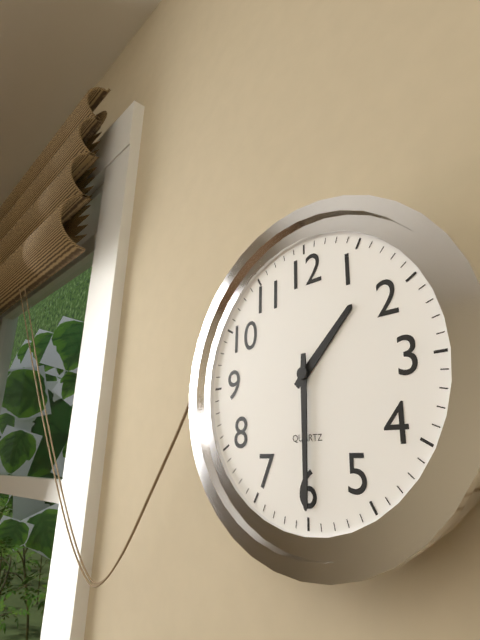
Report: 1:30
